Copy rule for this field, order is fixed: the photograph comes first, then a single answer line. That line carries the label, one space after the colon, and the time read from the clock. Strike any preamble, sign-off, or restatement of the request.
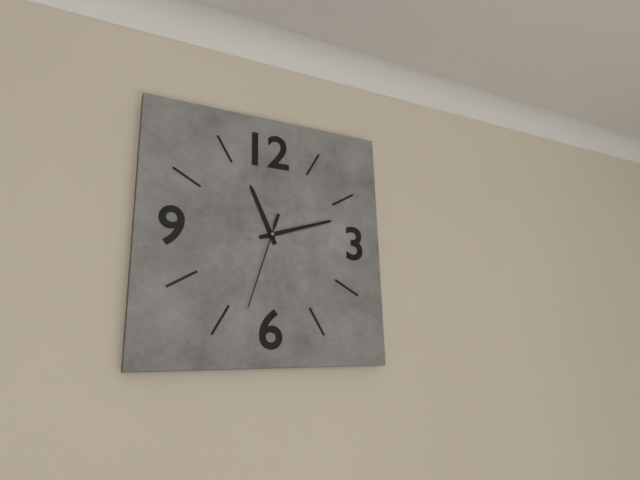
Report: 11:12:33
